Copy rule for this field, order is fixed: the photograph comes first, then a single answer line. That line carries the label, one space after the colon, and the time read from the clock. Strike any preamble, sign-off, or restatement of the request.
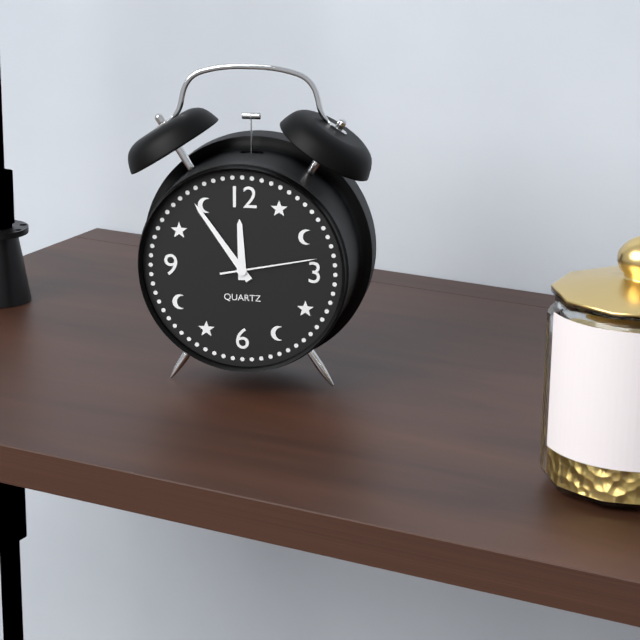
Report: 11:54:13
